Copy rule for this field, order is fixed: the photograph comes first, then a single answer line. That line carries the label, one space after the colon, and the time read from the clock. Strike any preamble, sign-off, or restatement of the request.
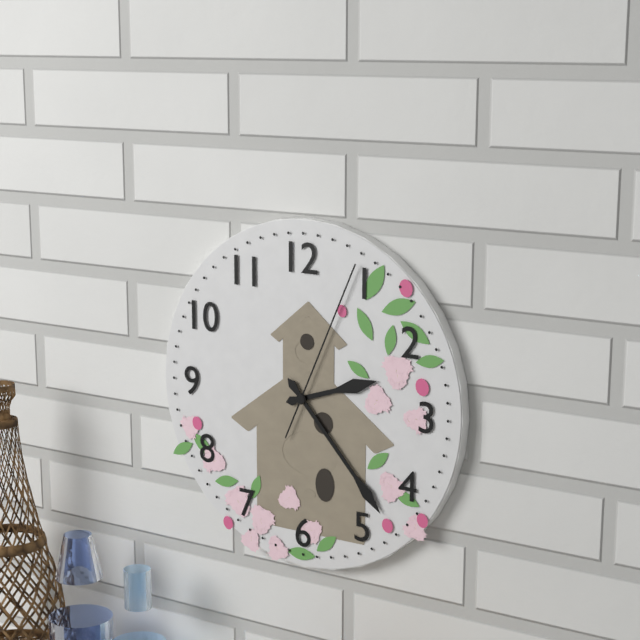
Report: 2:23:04
